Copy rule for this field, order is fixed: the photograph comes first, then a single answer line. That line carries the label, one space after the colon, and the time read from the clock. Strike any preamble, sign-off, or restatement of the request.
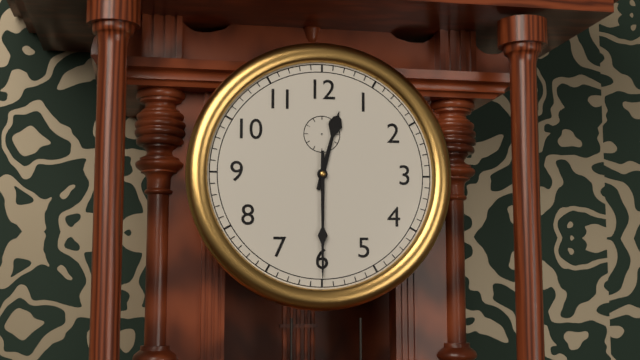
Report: 12:30
